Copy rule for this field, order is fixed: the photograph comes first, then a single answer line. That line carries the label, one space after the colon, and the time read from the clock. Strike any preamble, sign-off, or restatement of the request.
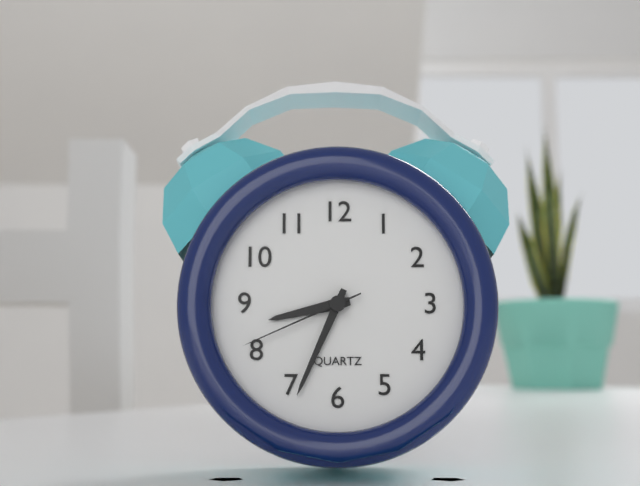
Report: 8:34:41
